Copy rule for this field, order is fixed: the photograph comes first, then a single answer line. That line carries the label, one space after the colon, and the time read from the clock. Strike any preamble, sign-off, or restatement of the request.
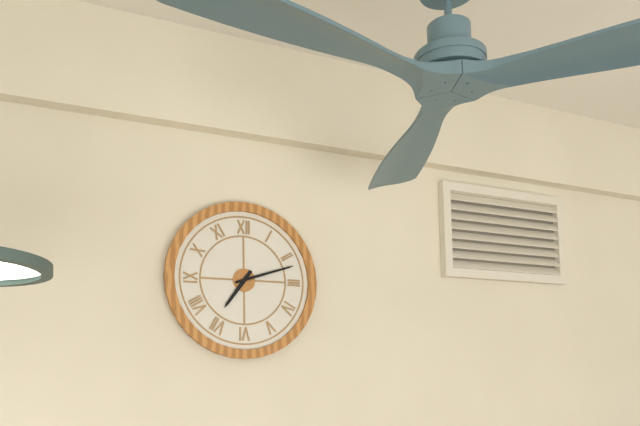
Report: 7:12
